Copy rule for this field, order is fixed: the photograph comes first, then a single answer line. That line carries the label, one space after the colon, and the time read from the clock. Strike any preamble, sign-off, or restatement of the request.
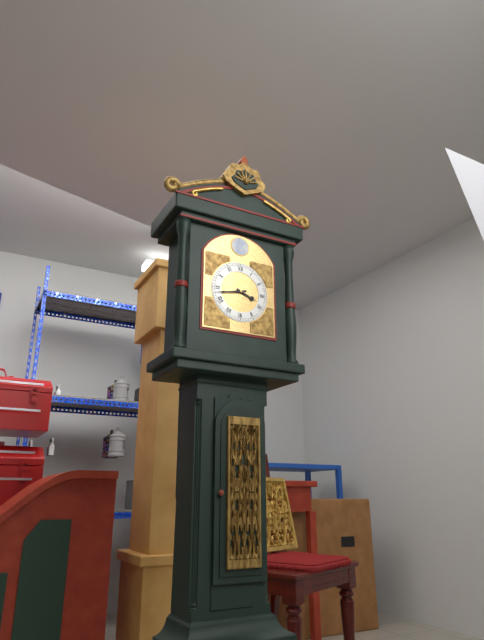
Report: 3:43
